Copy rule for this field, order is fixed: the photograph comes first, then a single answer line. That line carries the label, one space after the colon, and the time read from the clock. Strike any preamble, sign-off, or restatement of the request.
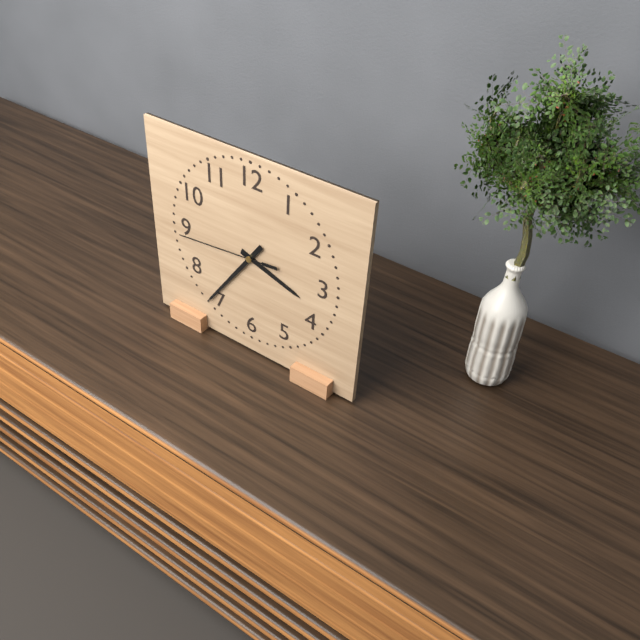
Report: 3:36:44
